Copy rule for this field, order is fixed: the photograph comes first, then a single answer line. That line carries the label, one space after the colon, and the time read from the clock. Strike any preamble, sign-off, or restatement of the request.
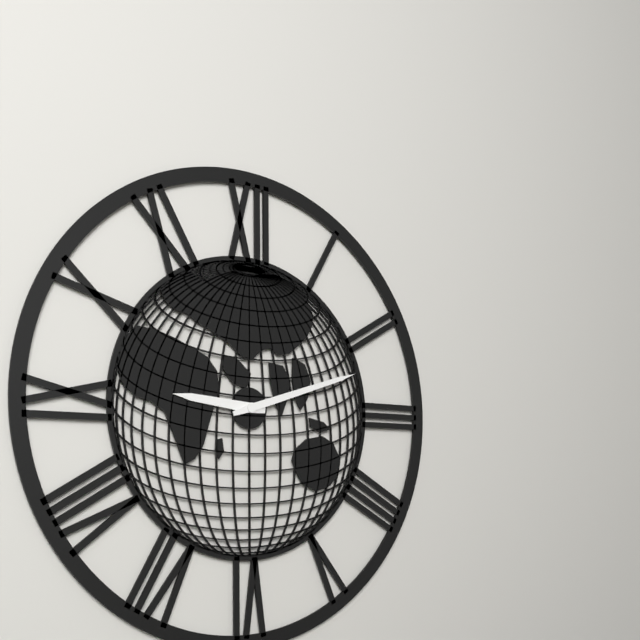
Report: 9:12
